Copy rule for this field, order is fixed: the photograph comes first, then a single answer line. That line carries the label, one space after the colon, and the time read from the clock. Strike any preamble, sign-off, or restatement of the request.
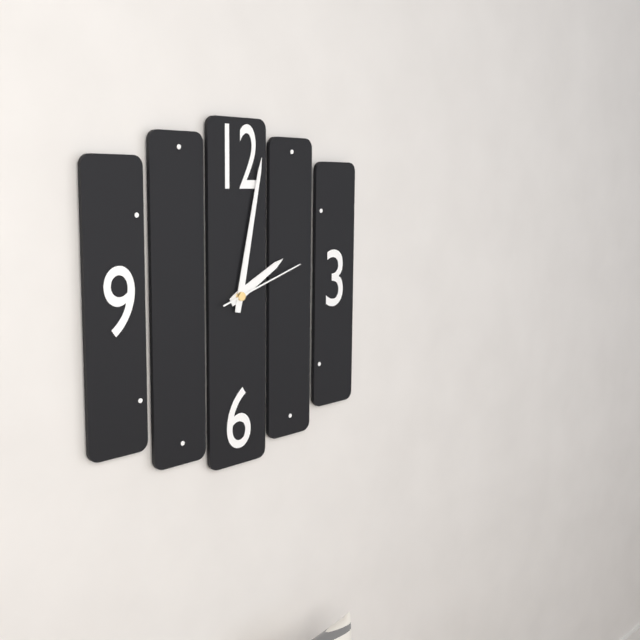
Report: 2:02:12
